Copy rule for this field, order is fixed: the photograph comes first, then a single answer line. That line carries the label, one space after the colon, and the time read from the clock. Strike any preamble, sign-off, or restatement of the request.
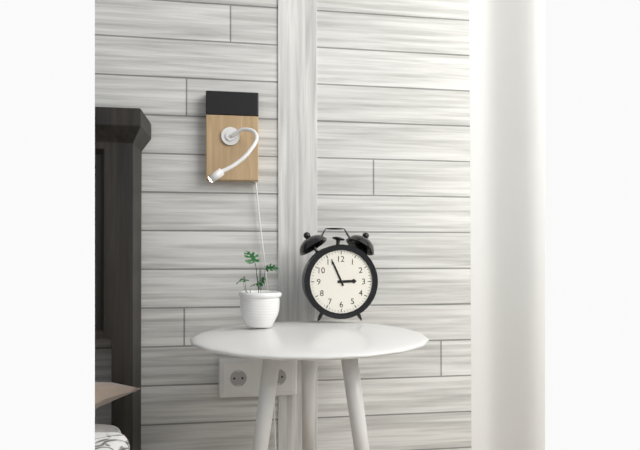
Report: 2:56
